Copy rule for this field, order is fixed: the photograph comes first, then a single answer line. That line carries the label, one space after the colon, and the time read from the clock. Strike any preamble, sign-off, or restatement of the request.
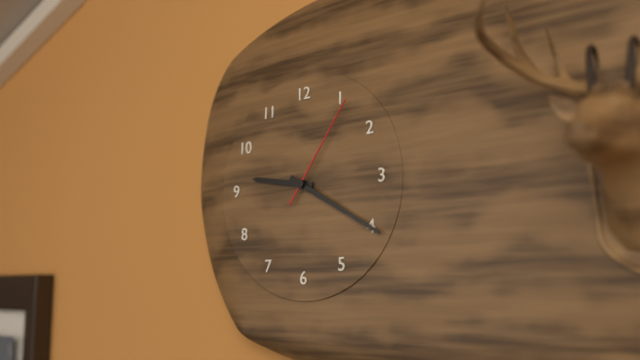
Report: 9:20:06
